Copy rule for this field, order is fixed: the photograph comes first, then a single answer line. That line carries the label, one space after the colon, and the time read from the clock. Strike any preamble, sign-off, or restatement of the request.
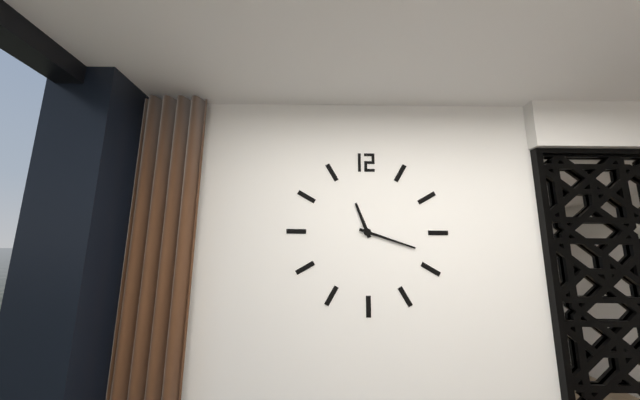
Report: 11:18
